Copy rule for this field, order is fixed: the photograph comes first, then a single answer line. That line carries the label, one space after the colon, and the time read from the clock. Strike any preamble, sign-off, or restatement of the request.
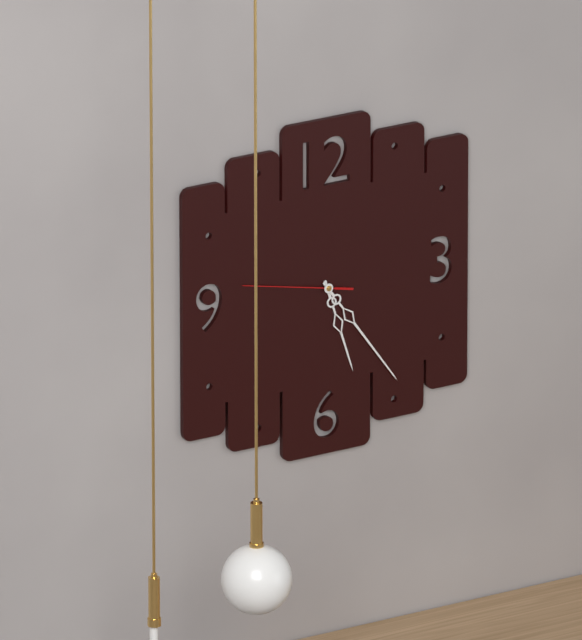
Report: 5:24:47
